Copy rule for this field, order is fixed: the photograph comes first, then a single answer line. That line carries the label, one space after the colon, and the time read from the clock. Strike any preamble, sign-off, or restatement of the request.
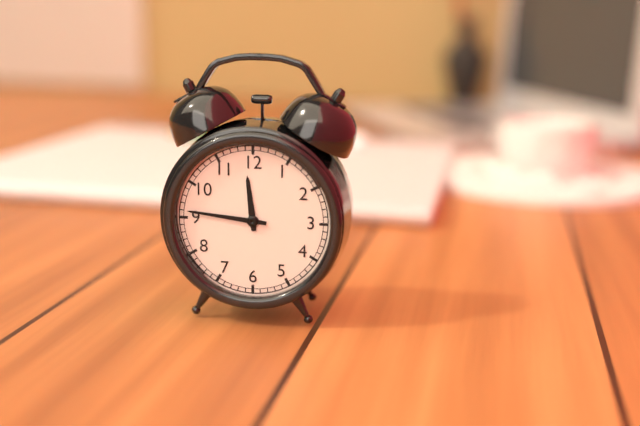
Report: 11:46
